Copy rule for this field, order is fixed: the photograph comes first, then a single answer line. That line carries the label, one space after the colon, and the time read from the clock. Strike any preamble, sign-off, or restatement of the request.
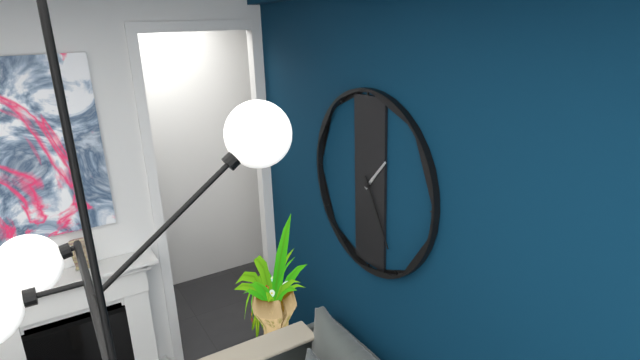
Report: 1:25
